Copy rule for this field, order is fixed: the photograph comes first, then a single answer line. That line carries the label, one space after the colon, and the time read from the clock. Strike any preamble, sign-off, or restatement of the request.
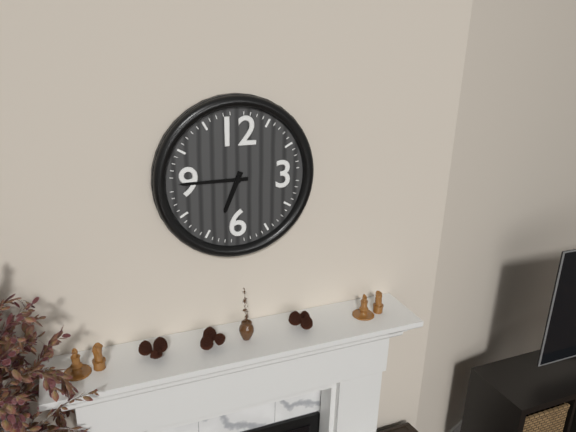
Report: 6:45
